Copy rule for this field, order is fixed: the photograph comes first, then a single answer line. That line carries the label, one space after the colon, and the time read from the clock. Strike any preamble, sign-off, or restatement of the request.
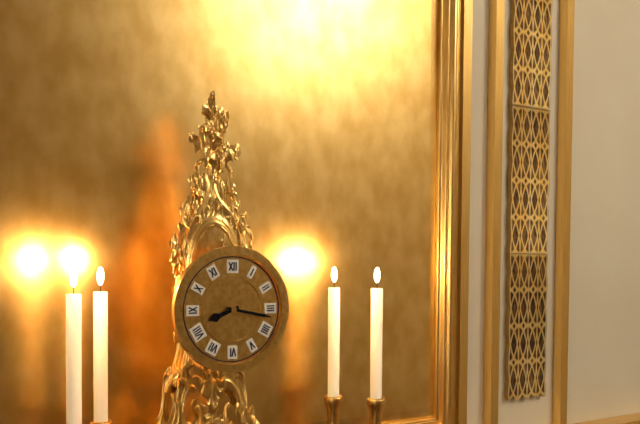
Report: 8:17
